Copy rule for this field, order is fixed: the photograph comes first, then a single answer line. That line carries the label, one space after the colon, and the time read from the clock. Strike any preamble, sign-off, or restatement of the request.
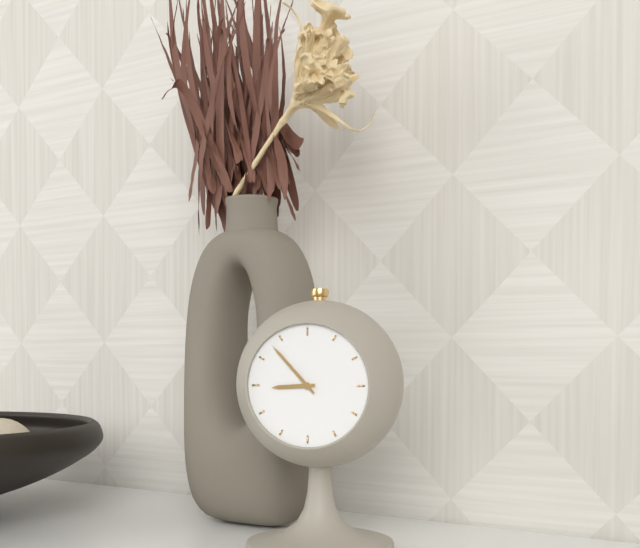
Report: 8:53
